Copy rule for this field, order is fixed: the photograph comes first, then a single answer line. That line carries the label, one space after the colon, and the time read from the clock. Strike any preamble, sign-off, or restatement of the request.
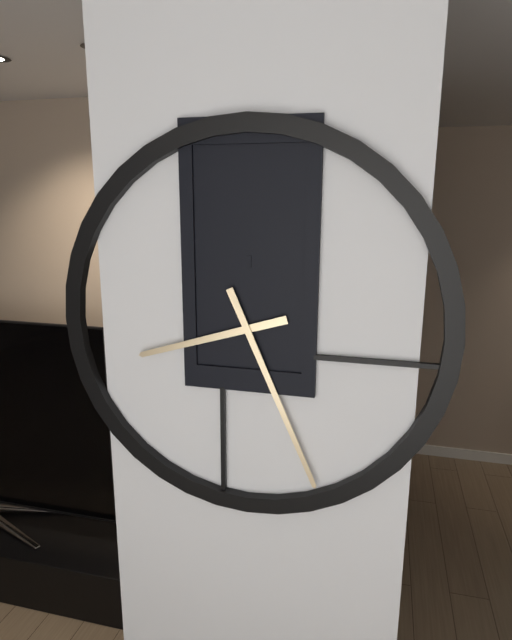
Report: 8:26
